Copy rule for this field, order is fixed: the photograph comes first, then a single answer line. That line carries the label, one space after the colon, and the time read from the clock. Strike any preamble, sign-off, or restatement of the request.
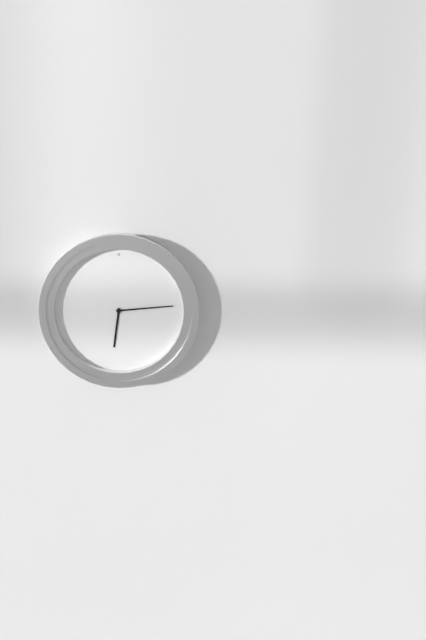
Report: 6:14
